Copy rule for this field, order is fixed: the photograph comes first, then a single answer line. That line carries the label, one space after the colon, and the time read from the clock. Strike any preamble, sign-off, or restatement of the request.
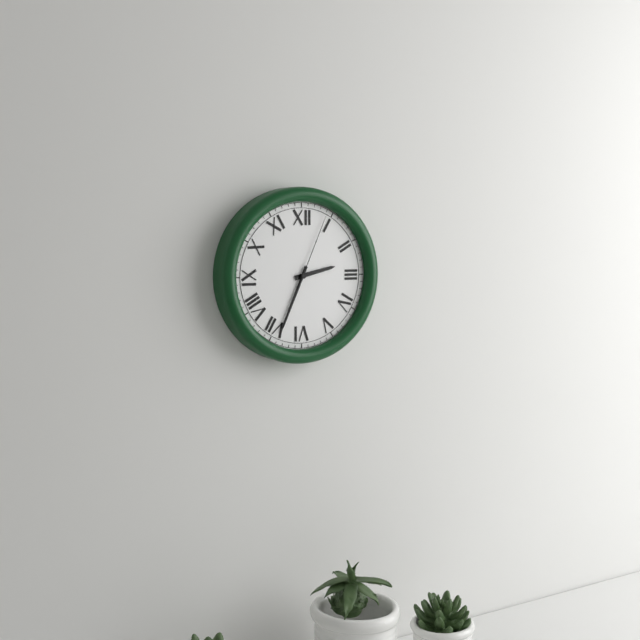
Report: 2:34:04
